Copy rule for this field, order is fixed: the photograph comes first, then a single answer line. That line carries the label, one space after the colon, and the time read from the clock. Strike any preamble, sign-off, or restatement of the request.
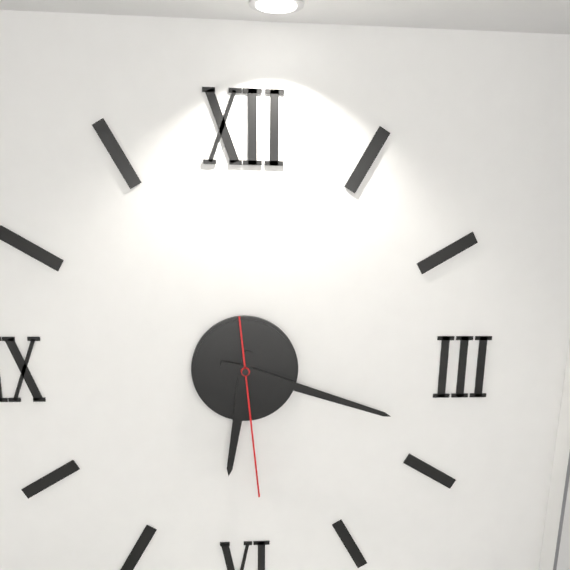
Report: 6:18:29
